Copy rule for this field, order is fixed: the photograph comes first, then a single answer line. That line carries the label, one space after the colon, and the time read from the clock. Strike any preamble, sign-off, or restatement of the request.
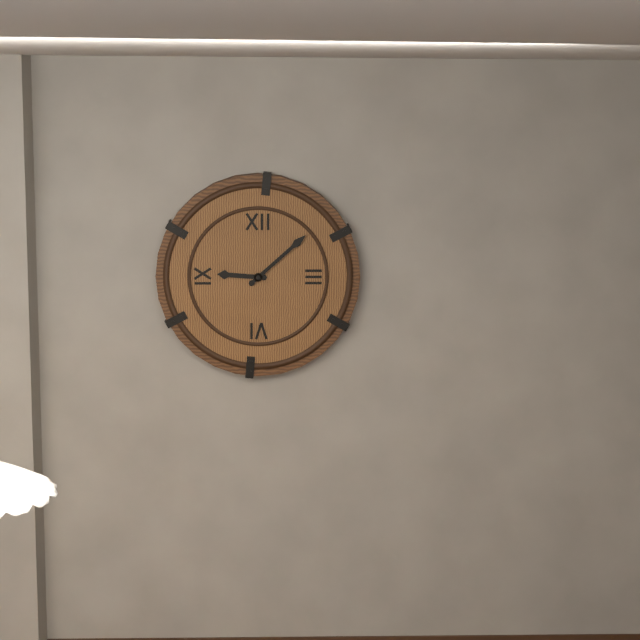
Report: 9:08
